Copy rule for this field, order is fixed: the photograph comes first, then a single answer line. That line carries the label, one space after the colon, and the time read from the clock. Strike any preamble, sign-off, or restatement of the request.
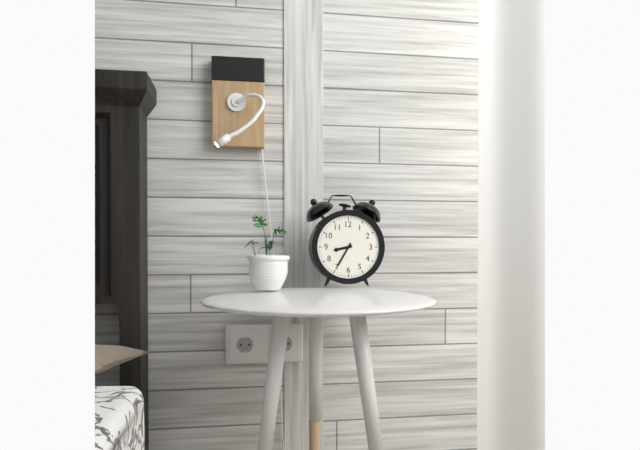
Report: 8:35
